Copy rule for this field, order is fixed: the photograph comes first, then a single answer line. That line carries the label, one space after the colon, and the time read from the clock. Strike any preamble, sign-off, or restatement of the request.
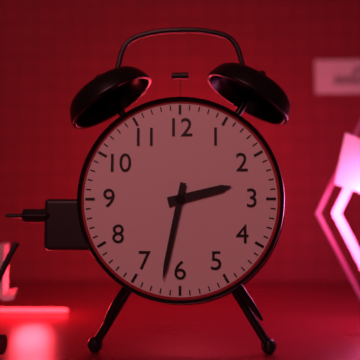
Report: 2:32
